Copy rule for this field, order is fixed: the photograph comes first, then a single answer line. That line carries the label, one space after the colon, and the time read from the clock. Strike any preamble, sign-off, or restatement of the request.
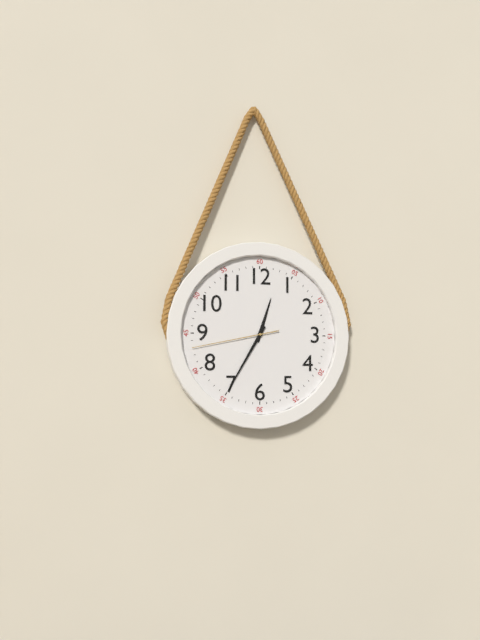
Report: 12:35:43
